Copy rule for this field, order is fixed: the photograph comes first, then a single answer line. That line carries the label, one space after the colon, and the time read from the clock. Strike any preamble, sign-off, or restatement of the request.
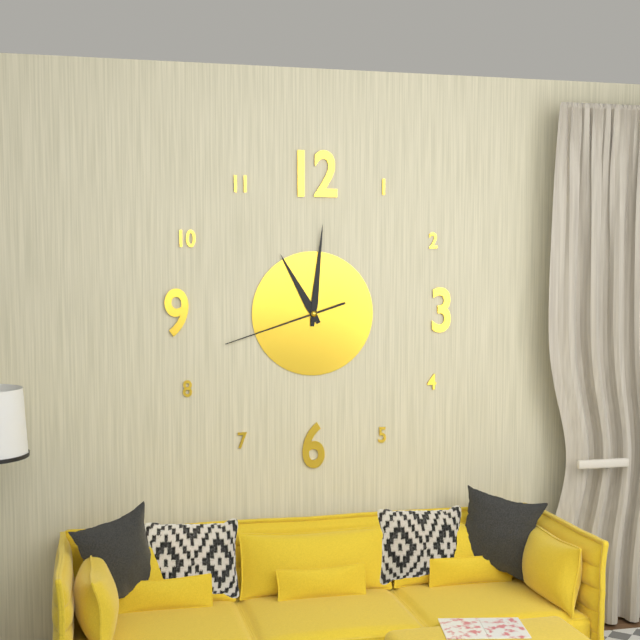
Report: 11:01:42
